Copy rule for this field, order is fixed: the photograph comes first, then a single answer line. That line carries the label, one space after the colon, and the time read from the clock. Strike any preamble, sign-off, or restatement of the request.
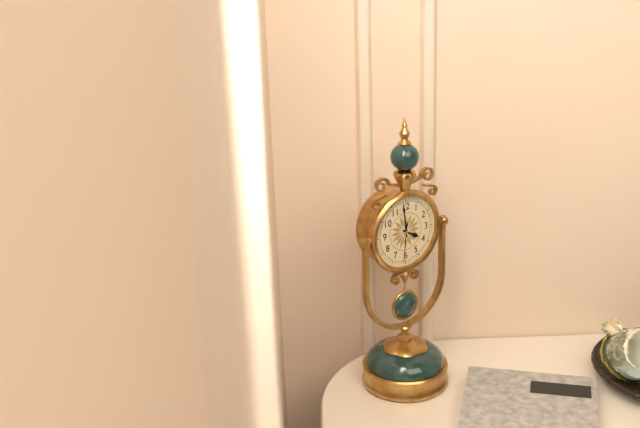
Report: 3:59
